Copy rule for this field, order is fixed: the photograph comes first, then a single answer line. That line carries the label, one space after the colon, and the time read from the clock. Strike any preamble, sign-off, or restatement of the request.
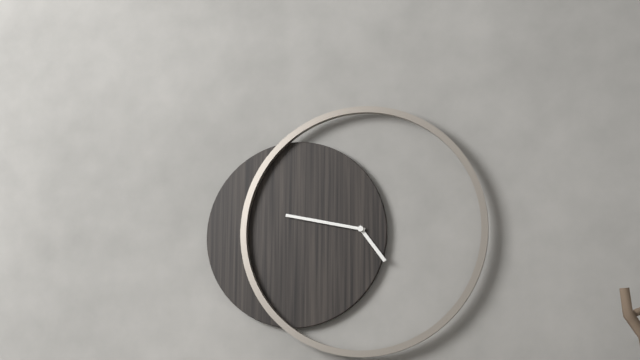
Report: 4:47
